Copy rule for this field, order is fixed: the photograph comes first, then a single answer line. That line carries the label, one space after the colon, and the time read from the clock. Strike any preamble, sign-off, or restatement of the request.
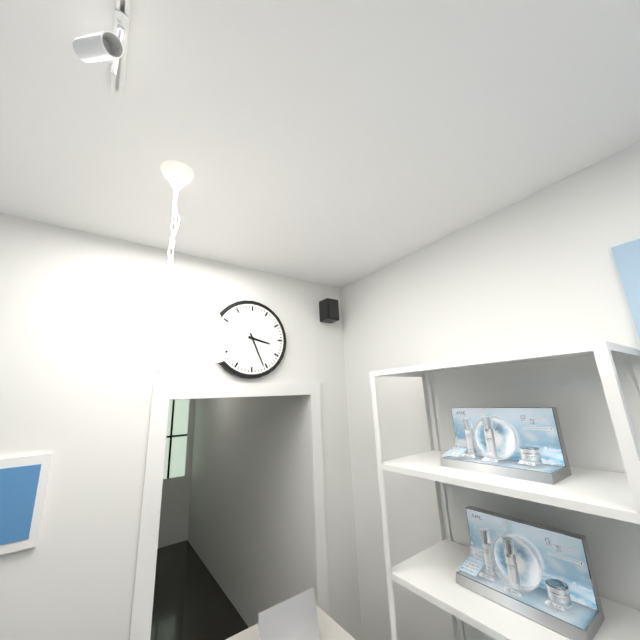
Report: 3:26
